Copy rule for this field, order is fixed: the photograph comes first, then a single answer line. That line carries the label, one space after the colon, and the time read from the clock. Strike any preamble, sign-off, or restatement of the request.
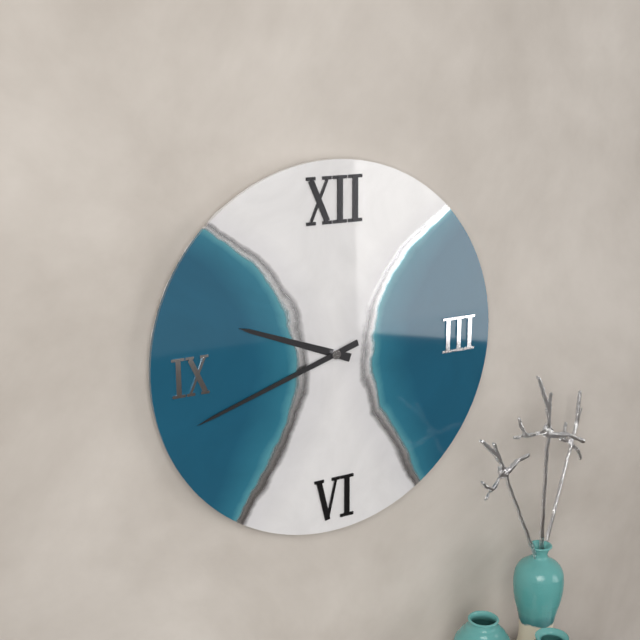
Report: 9:42
